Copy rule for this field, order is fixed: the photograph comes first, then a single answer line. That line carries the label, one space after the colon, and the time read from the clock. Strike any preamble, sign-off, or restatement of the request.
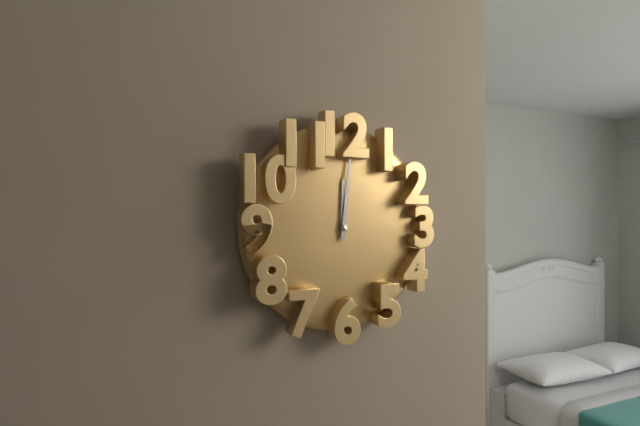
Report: 12:01
